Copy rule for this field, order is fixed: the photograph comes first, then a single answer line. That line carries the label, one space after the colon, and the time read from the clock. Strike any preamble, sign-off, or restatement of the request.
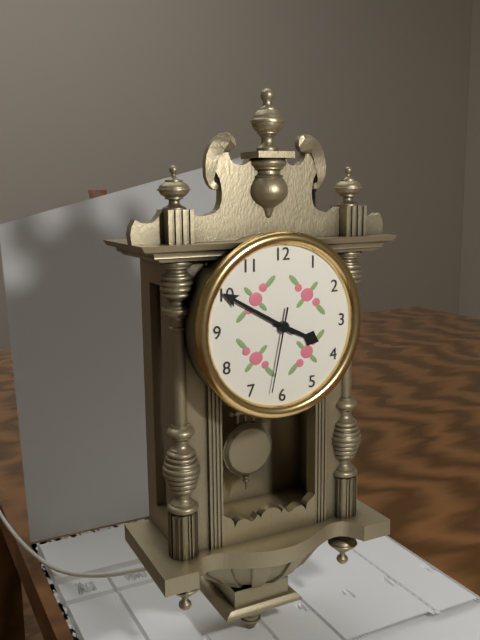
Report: 3:50:32
